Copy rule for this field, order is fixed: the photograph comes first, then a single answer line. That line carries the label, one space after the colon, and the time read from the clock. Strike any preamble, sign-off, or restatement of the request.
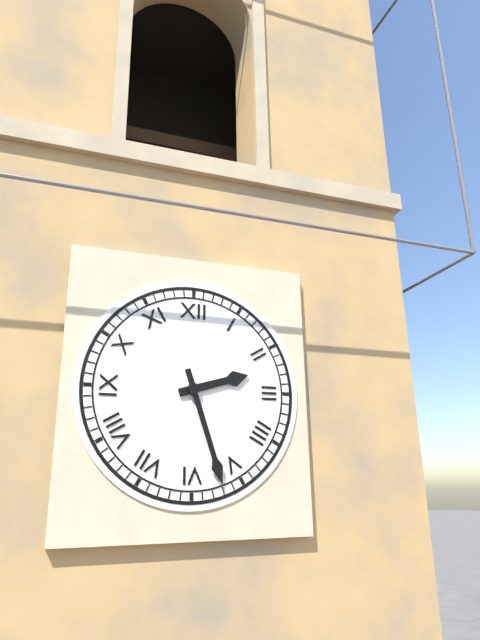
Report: 2:27
